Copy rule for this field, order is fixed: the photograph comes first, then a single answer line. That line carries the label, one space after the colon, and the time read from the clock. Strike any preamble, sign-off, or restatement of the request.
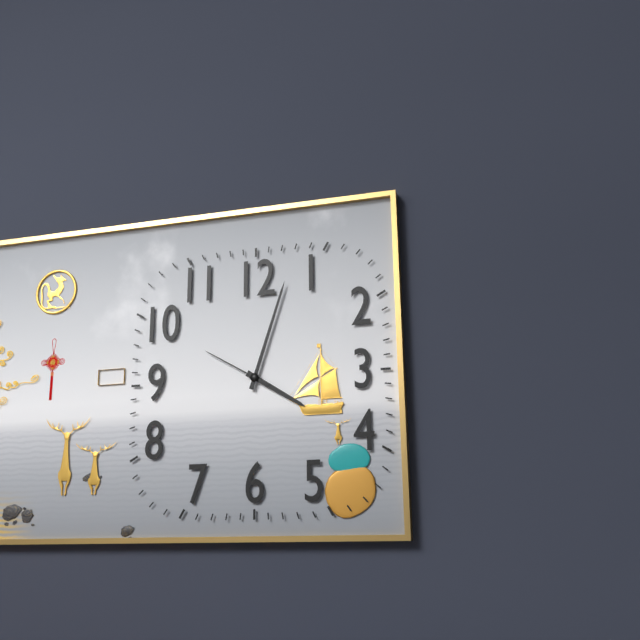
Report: 4:03:50
